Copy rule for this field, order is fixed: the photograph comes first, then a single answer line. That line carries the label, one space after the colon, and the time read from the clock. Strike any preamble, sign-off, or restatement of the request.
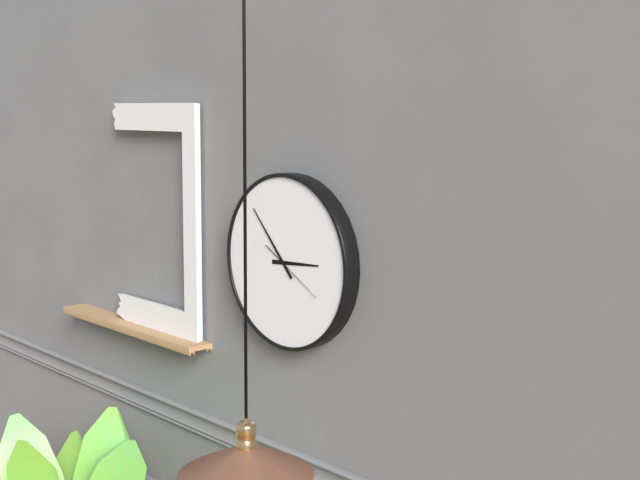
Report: 2:53:20
